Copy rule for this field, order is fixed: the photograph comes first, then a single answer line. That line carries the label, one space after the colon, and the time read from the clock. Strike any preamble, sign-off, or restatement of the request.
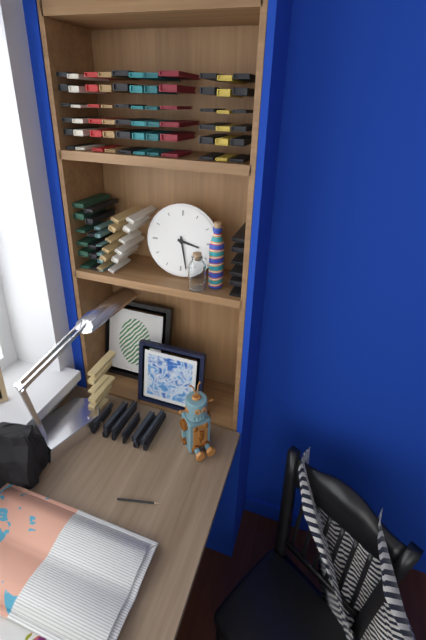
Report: 3:28
